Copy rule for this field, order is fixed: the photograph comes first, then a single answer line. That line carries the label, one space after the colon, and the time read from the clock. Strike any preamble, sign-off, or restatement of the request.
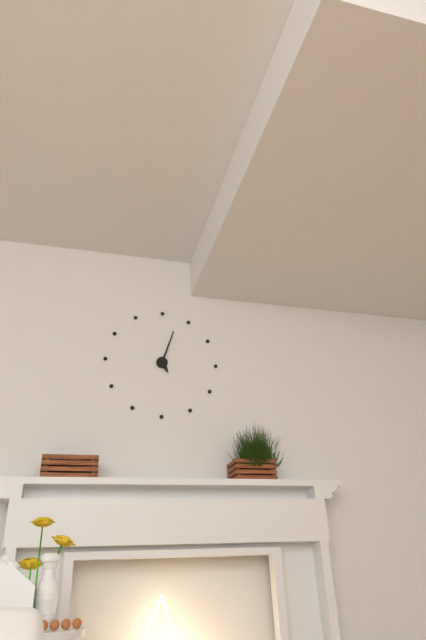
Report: 5:03
